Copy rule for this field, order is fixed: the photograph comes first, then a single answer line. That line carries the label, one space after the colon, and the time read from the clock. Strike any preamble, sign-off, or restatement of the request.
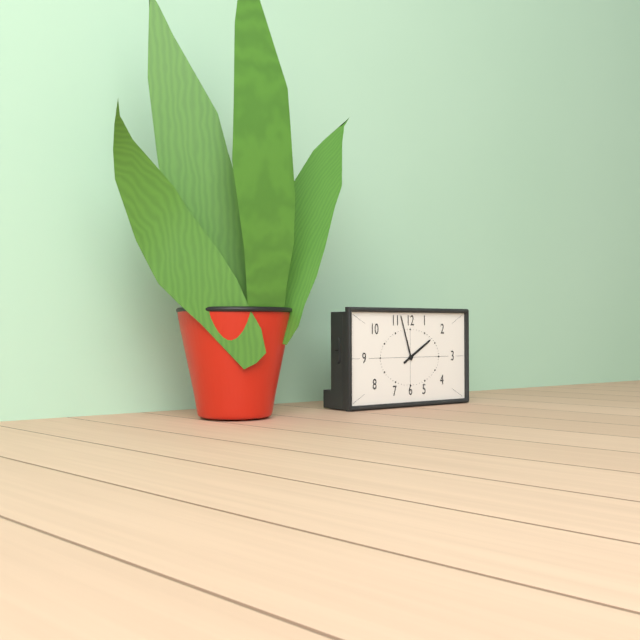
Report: 1:57
